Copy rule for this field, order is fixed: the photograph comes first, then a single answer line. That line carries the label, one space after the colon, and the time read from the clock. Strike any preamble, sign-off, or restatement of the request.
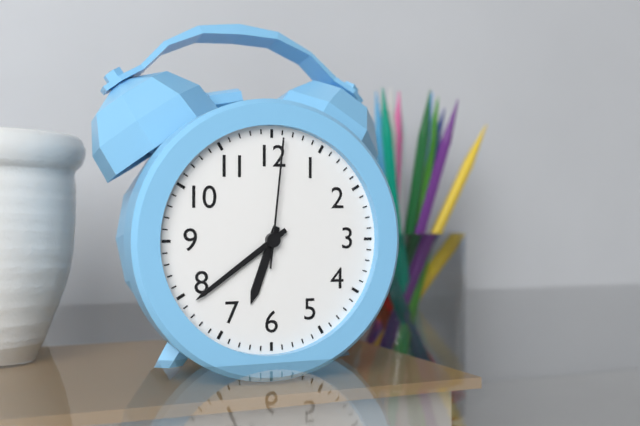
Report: 6:39:01
